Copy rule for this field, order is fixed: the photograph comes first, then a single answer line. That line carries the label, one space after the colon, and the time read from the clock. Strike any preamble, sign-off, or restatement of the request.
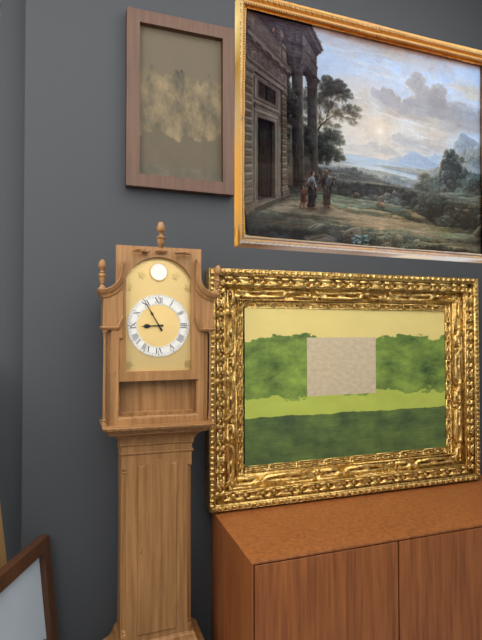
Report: 8:55
